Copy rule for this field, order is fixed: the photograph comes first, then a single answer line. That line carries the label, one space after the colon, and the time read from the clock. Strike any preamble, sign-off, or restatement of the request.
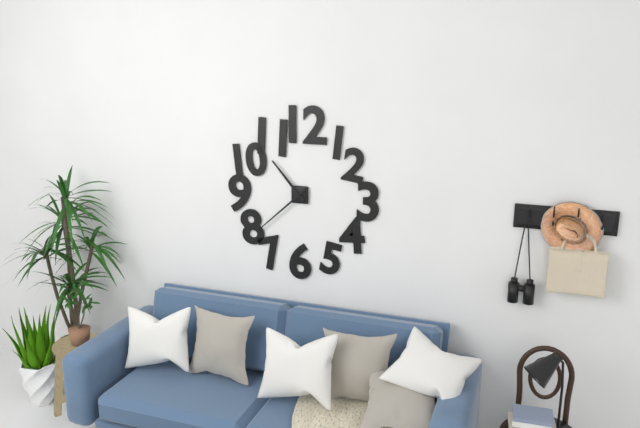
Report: 10:38
